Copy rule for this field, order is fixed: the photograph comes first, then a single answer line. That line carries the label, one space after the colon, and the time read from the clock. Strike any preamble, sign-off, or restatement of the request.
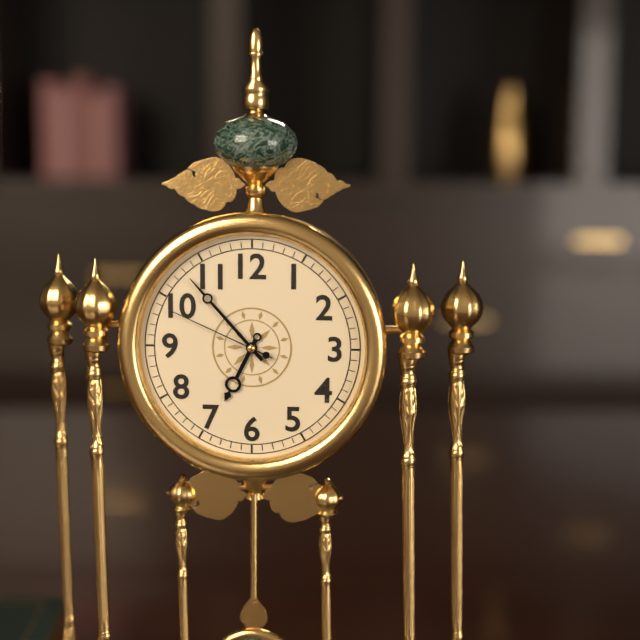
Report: 6:53:49
